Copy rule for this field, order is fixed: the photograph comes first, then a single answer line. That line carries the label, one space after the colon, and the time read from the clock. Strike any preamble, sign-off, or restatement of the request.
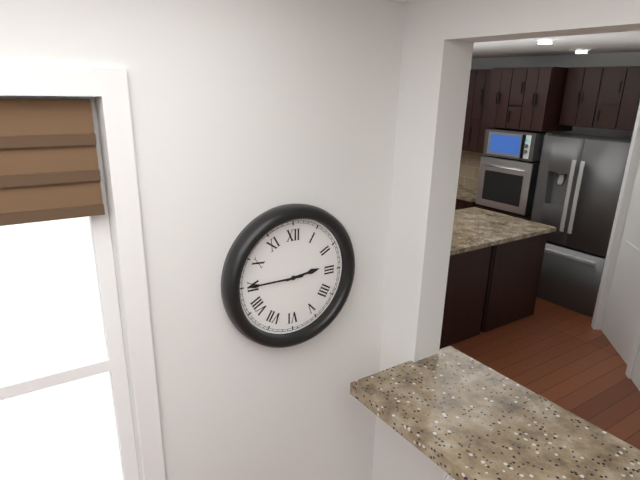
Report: 2:45
